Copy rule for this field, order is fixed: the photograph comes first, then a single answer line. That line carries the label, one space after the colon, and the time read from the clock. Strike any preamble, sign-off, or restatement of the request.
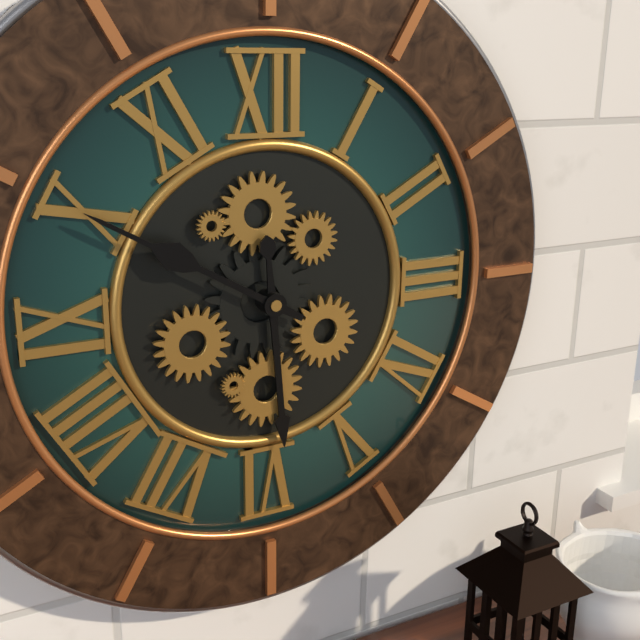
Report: 5:50
